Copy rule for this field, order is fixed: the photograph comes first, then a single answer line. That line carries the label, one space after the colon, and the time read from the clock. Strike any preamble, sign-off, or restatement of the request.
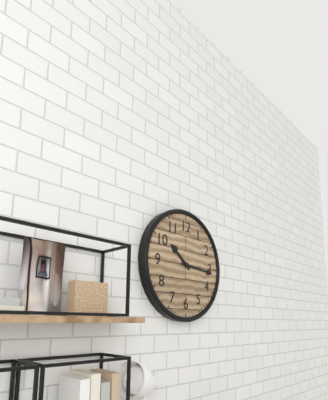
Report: 10:16
